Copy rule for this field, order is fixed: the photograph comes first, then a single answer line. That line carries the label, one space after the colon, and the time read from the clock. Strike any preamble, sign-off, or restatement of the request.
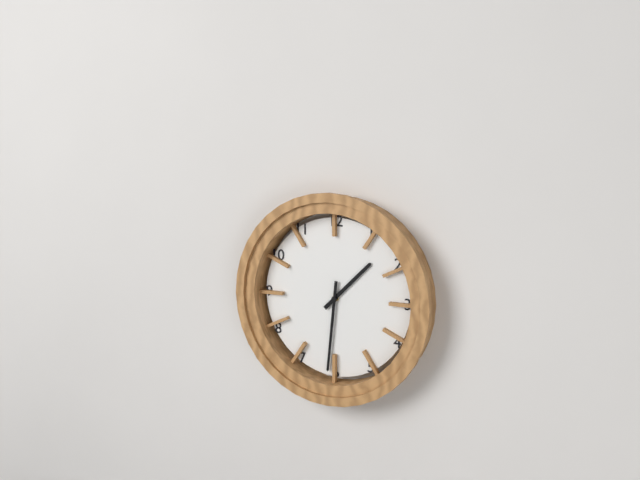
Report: 1:31
